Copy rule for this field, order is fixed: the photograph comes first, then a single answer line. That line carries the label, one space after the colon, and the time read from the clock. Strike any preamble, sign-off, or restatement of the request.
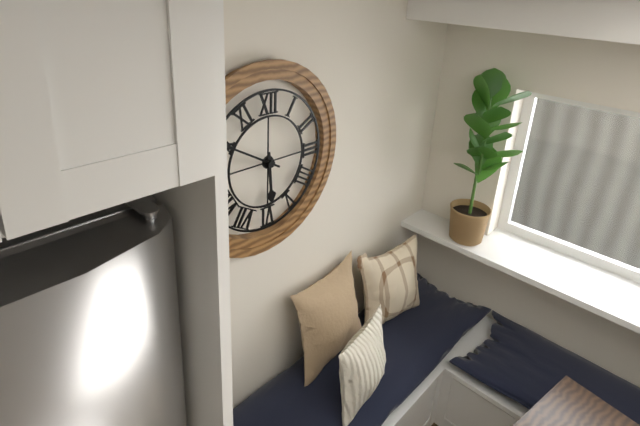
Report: 5:50
